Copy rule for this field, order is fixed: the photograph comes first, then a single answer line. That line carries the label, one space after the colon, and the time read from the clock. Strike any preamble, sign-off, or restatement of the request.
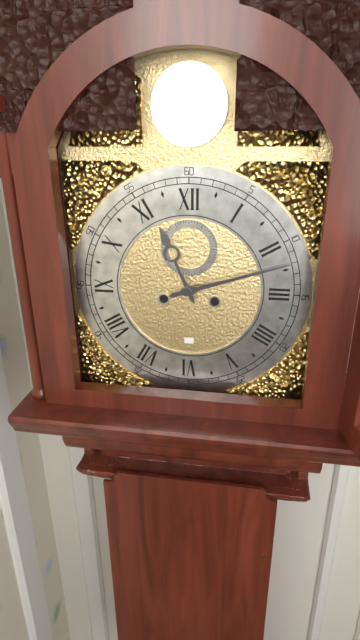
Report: 11:12
